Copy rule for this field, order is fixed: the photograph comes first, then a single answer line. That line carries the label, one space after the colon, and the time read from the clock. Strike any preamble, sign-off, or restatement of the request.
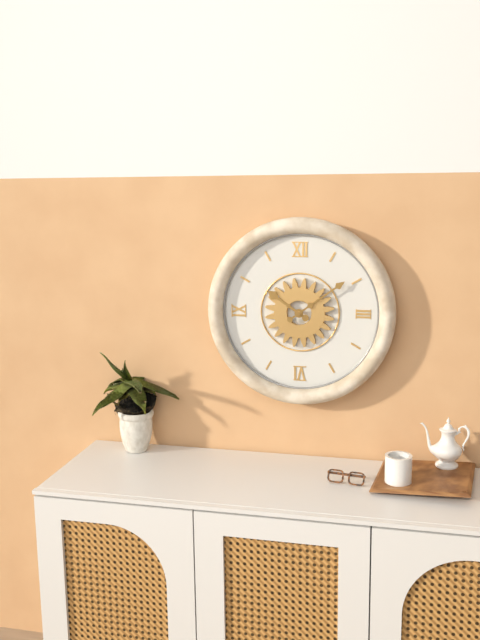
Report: 10:09
